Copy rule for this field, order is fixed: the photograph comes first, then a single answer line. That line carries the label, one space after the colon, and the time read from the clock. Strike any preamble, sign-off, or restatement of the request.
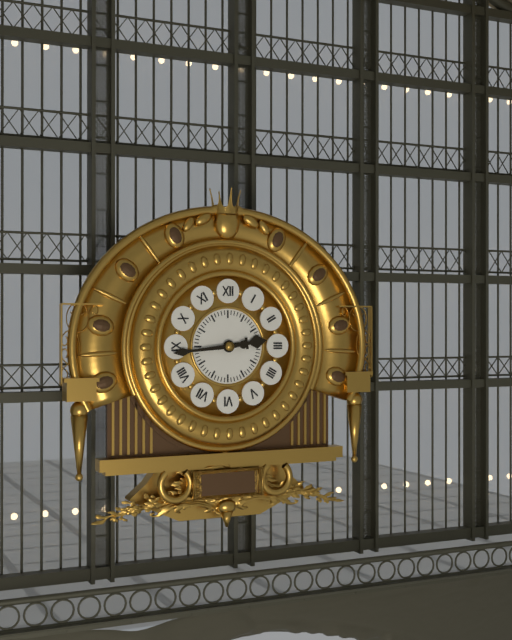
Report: 2:44
